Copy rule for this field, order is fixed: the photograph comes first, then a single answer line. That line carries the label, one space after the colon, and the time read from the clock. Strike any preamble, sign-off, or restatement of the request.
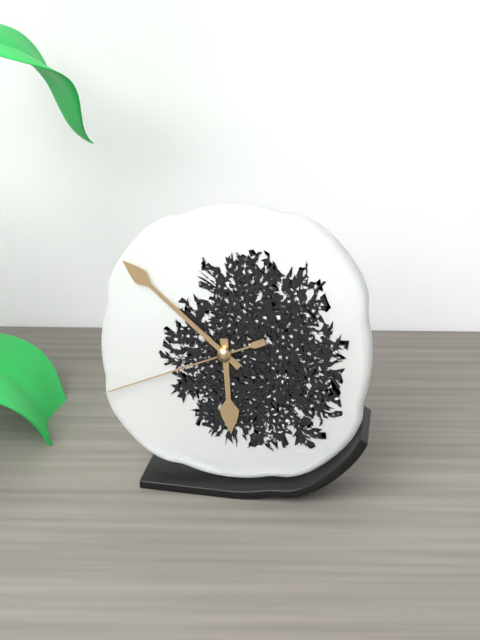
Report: 5:52:41
